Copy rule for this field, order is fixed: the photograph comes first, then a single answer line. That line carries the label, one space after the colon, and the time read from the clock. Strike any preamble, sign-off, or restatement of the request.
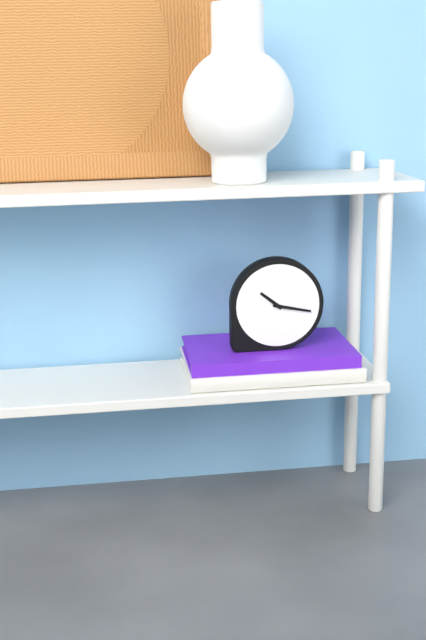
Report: 10:17
